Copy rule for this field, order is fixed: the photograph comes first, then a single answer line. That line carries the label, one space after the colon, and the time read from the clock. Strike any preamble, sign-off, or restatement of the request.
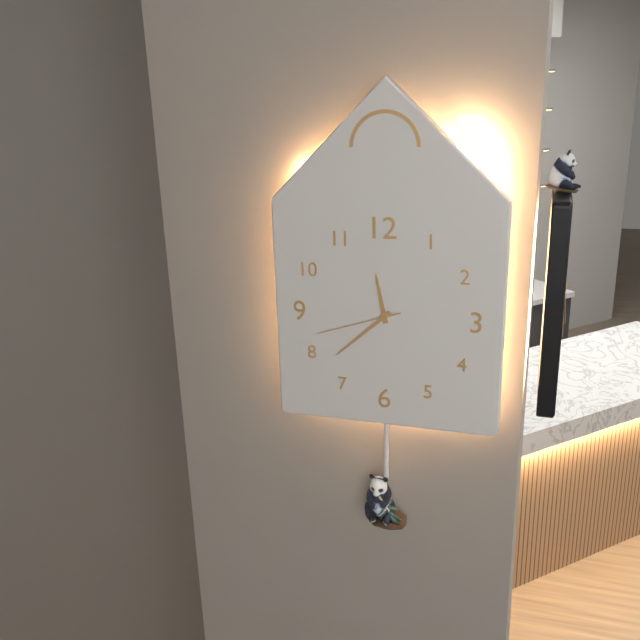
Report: 11:38:42
